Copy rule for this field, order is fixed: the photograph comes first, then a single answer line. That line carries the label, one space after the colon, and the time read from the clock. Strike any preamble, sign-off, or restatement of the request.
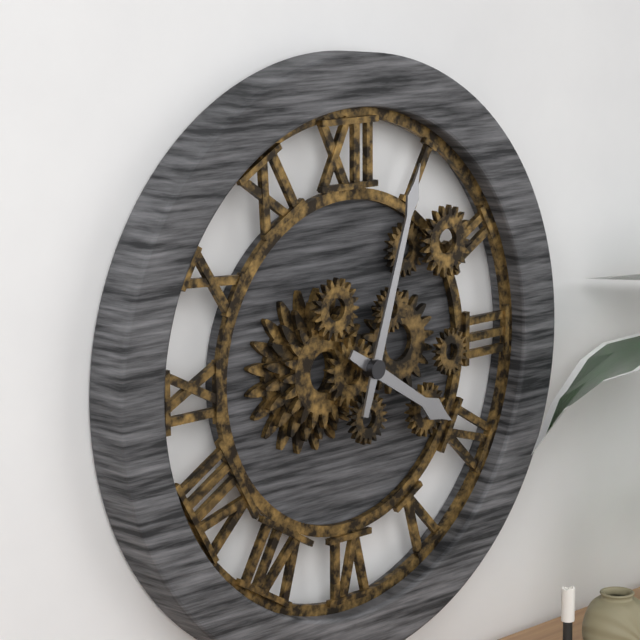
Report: 4:03
